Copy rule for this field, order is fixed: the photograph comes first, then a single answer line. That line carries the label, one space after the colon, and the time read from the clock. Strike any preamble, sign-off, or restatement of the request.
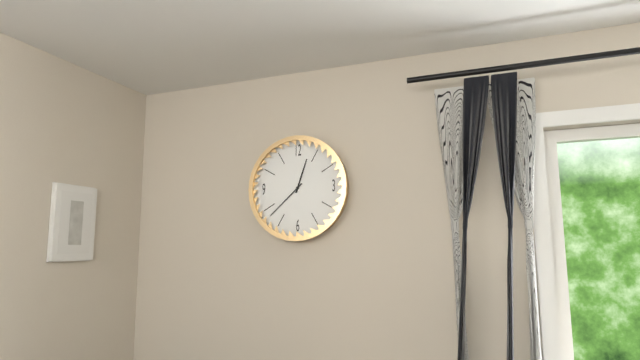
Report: 12:38
